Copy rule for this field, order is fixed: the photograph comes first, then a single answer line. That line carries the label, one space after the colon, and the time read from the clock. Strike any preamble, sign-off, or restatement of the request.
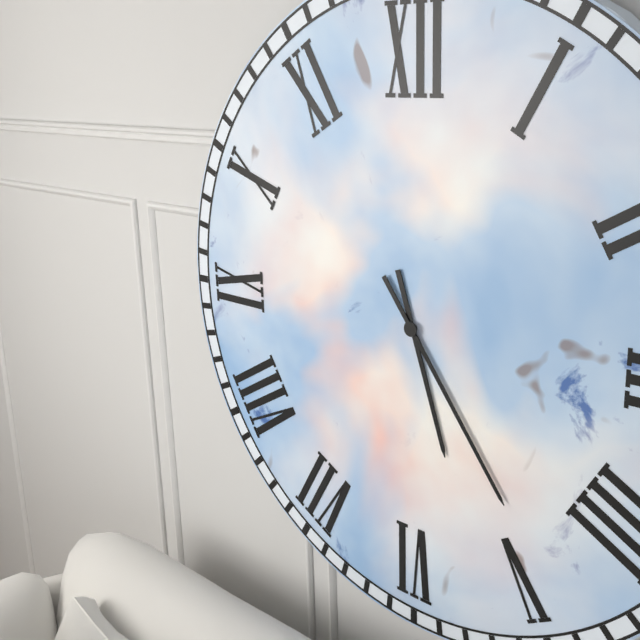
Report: 5:24
